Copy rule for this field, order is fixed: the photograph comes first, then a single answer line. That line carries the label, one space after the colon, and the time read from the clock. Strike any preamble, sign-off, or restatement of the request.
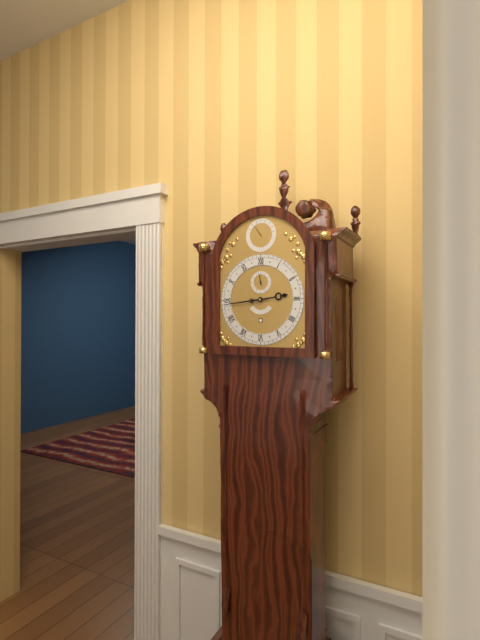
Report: 2:44
